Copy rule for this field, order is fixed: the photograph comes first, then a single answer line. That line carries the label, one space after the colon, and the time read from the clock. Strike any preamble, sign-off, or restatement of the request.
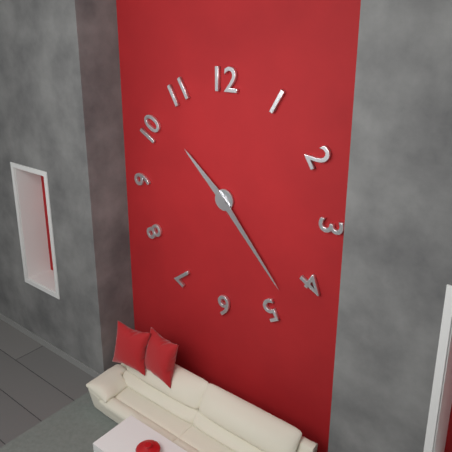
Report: 10:23
